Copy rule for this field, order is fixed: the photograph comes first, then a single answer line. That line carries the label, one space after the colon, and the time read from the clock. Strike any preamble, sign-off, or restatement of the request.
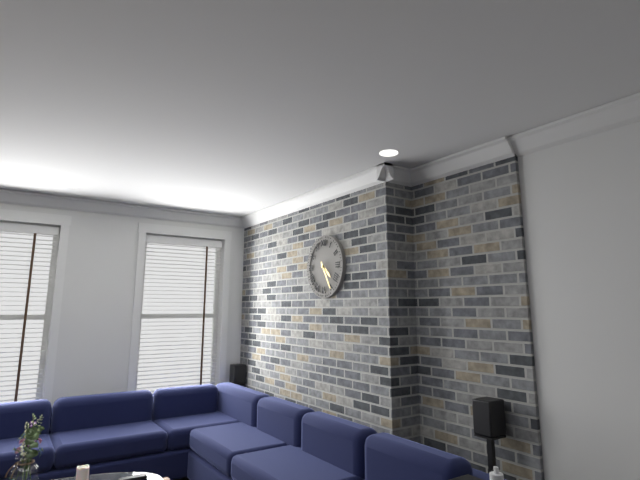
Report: 4:25
